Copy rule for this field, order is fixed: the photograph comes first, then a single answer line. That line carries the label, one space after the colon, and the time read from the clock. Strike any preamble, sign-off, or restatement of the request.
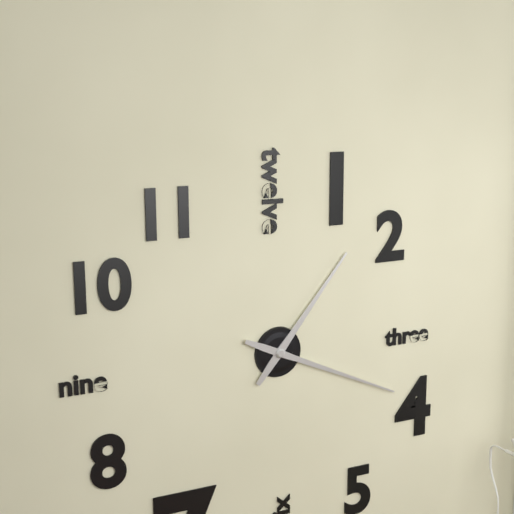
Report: 1:19
